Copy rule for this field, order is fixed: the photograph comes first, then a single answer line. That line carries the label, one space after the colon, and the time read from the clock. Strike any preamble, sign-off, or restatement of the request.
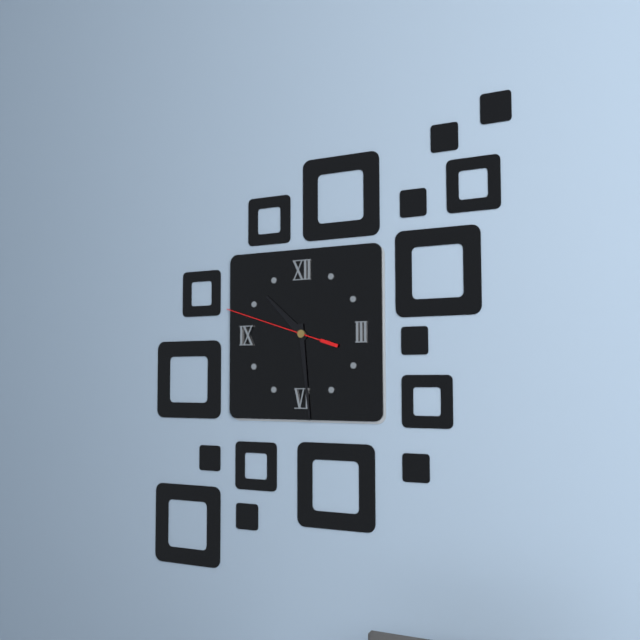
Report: 10:29:48
